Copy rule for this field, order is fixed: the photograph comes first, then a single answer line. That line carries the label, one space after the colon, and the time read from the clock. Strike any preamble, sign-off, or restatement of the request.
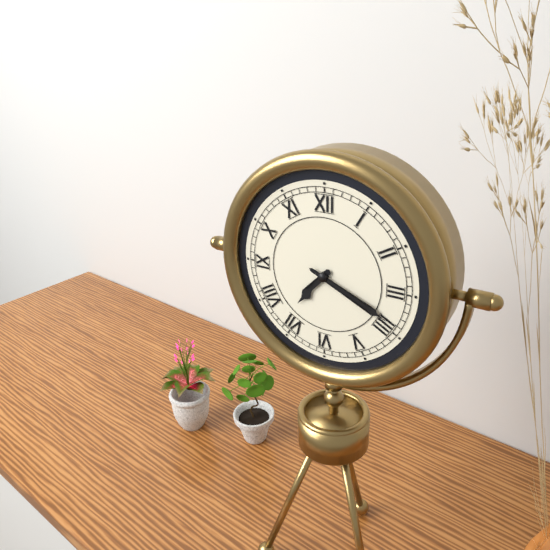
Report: 7:19
